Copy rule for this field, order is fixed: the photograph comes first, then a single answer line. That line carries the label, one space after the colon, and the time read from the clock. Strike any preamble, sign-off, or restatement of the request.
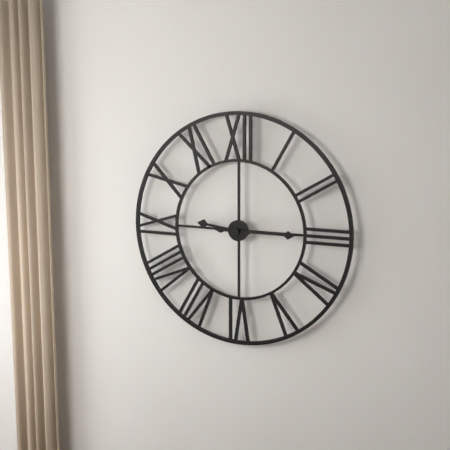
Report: 9:15
